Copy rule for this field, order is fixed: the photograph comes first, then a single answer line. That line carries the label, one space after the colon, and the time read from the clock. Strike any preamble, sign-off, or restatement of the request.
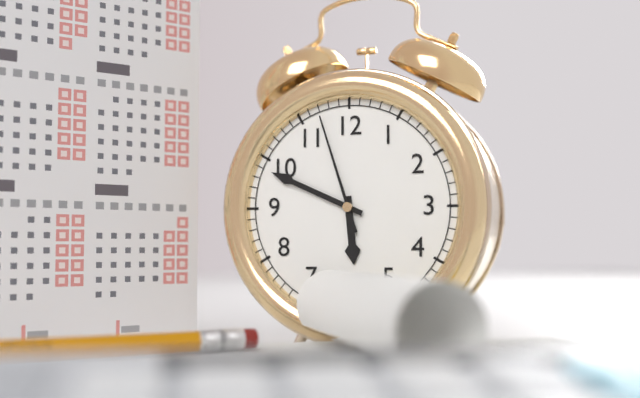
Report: 5:49:57
